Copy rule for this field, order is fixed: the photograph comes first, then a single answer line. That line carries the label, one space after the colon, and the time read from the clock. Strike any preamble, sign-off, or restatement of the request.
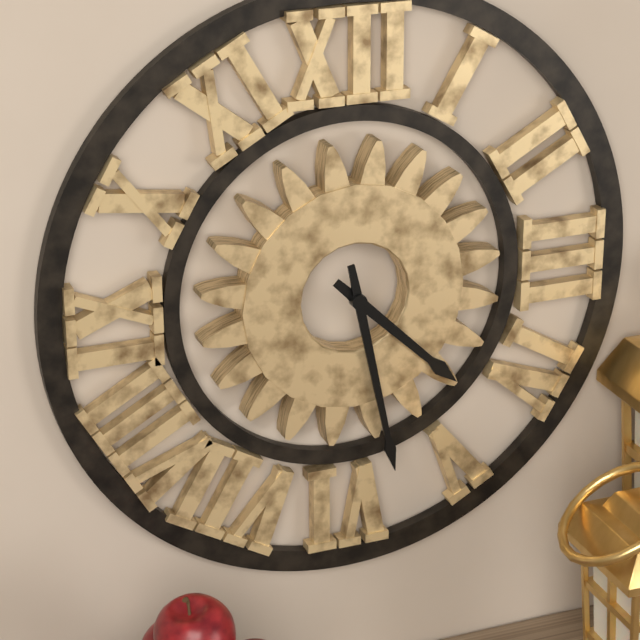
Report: 4:28
